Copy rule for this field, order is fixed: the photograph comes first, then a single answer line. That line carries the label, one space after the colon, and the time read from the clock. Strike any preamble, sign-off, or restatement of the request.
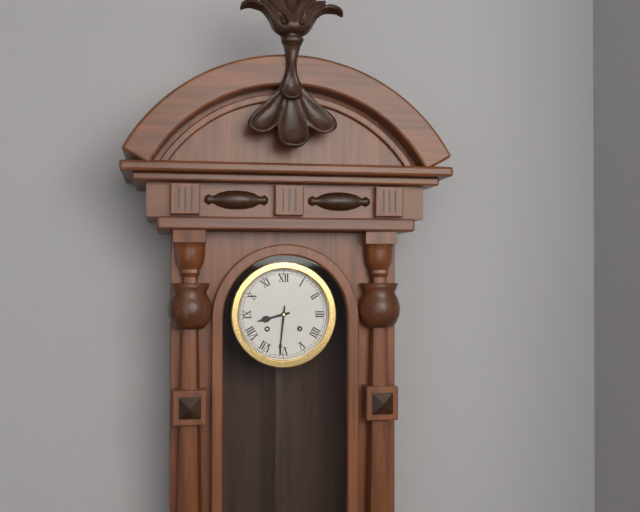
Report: 8:31
